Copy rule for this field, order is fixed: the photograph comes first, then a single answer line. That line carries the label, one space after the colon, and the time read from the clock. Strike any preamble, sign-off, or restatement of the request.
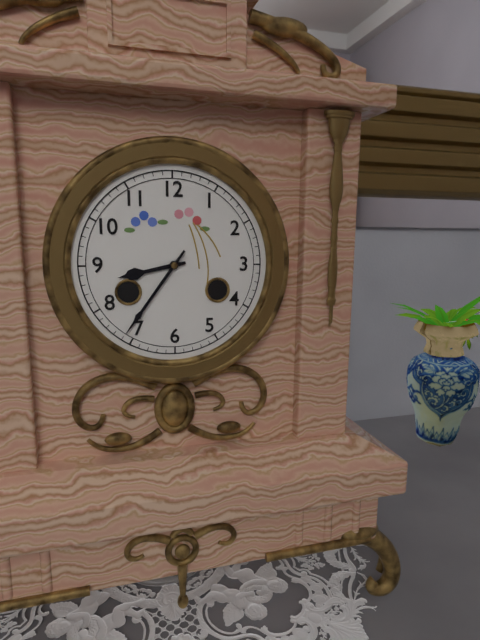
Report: 8:36
